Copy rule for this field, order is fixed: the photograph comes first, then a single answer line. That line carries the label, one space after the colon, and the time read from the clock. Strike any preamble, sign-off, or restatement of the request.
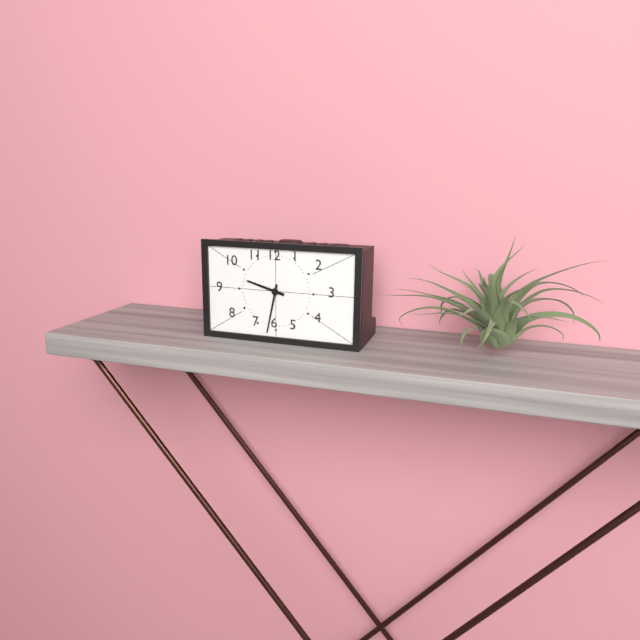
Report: 9:32
